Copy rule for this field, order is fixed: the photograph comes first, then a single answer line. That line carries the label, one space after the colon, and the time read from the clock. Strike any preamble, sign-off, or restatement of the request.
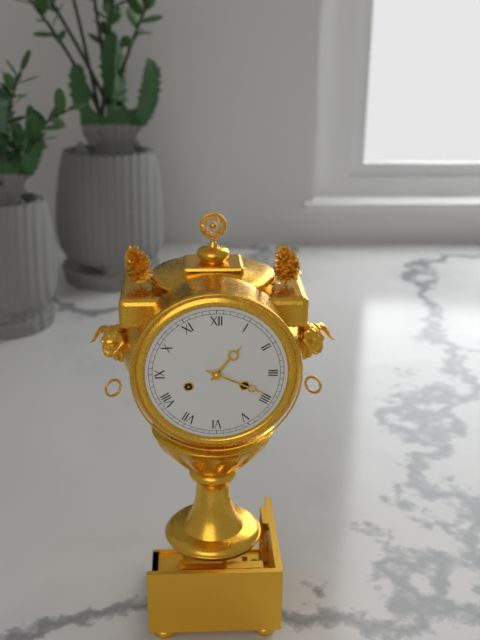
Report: 1:19
